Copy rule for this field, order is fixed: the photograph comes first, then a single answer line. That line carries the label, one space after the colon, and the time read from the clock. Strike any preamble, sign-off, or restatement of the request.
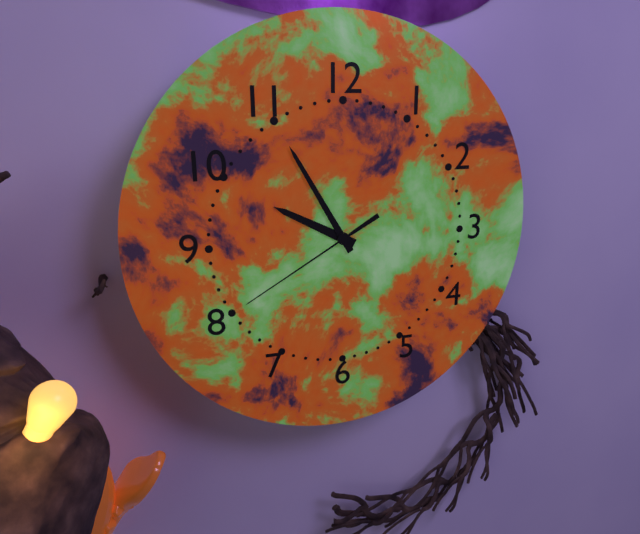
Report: 9:55:40
